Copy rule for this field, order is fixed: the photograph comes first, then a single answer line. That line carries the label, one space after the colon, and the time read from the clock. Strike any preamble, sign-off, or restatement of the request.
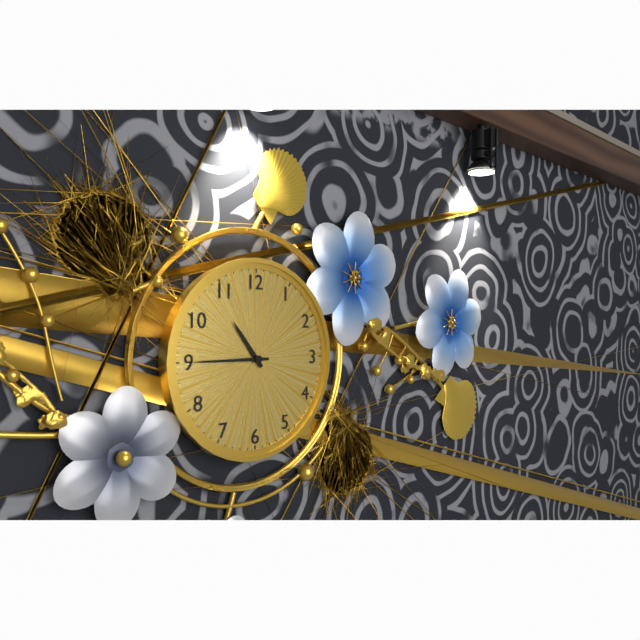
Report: 10:45
